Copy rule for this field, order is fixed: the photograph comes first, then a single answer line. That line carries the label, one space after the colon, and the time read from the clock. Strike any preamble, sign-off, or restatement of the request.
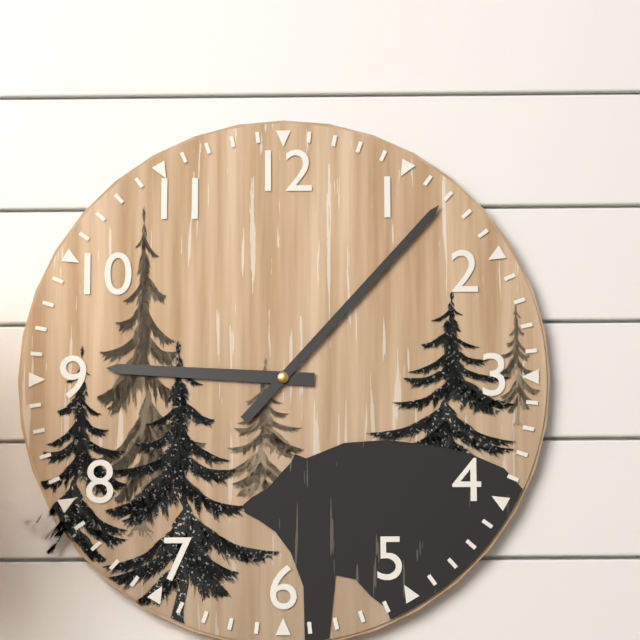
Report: 9:07
